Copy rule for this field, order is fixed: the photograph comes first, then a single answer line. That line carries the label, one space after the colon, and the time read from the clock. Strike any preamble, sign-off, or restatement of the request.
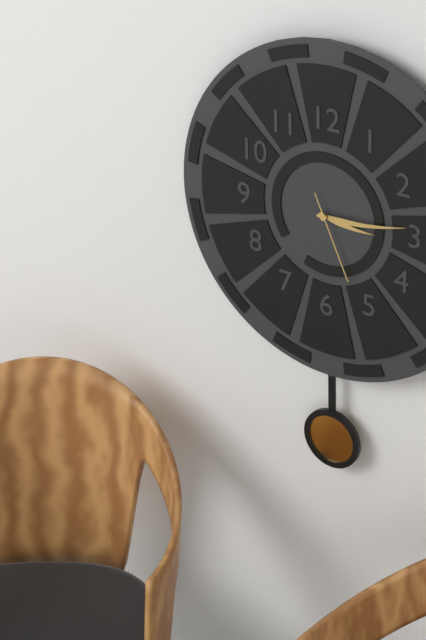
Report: 3:14:26
